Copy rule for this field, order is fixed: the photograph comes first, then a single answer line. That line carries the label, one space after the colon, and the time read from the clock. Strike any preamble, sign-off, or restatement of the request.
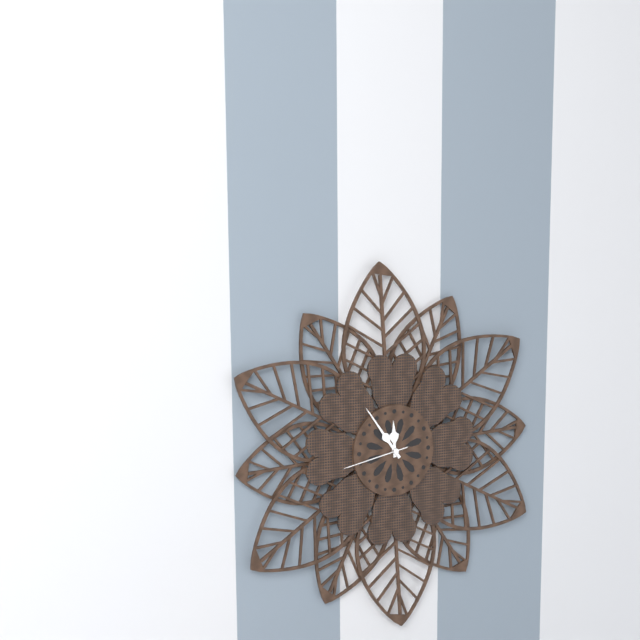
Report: 11:54:43
